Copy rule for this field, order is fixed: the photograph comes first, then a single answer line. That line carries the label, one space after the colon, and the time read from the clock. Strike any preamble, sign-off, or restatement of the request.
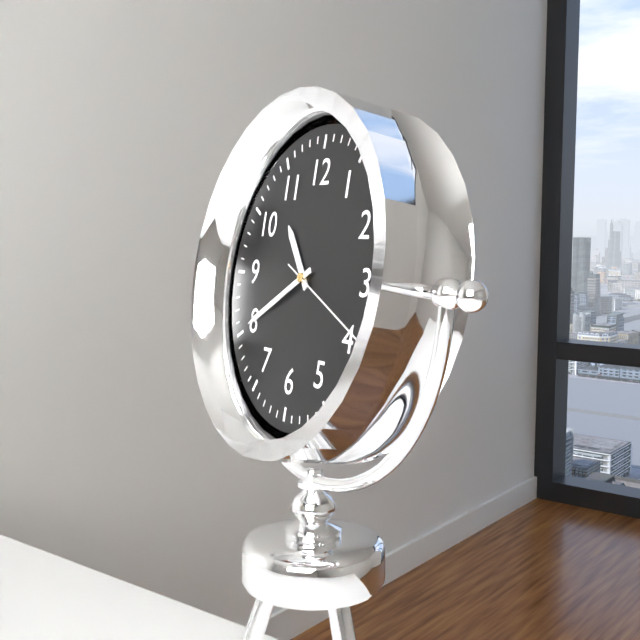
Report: 10:40:19
